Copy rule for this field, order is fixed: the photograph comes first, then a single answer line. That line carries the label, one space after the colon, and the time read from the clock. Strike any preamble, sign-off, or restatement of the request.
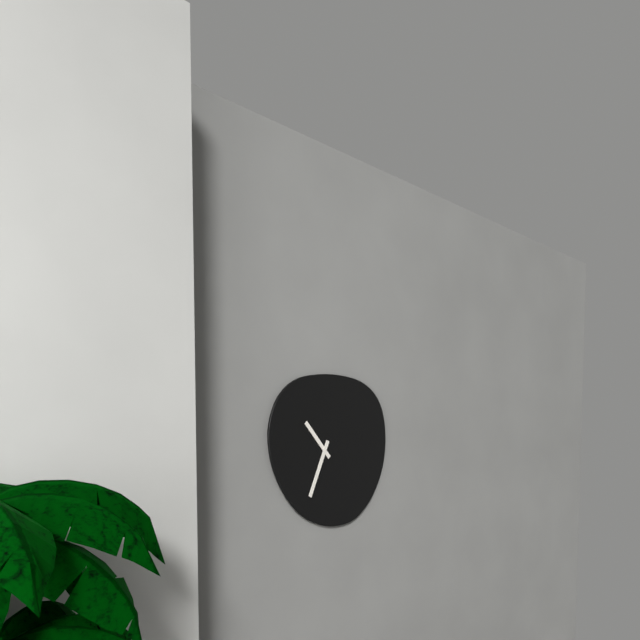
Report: 10:34
